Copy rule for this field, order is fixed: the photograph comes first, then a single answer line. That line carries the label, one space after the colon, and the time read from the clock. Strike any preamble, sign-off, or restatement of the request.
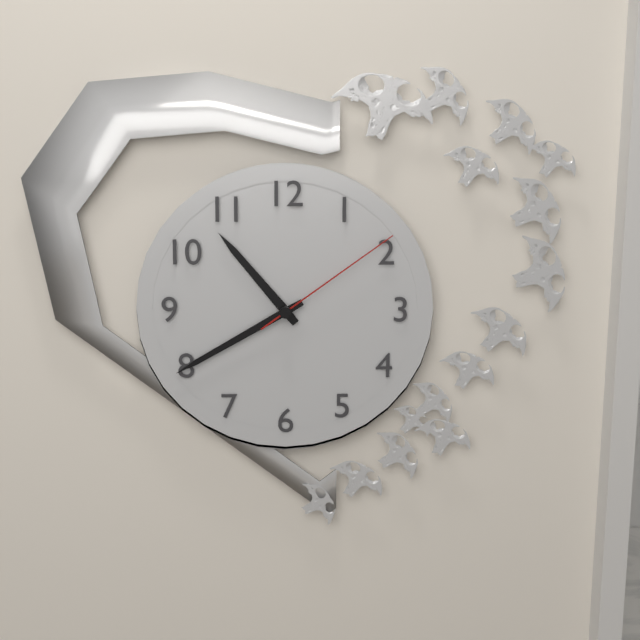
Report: 10:40:09
